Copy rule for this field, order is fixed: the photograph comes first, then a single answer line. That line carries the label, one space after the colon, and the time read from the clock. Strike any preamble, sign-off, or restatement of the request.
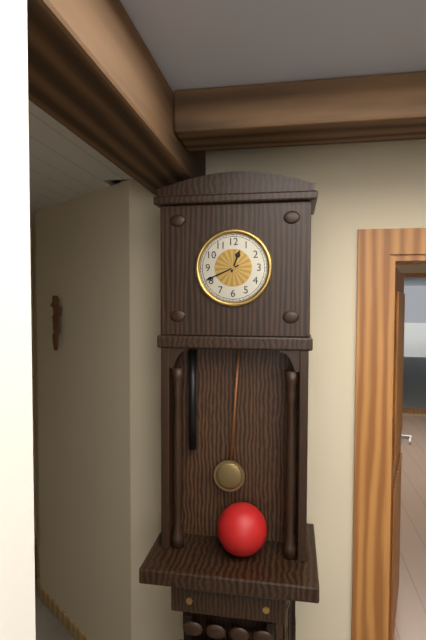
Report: 12:41
